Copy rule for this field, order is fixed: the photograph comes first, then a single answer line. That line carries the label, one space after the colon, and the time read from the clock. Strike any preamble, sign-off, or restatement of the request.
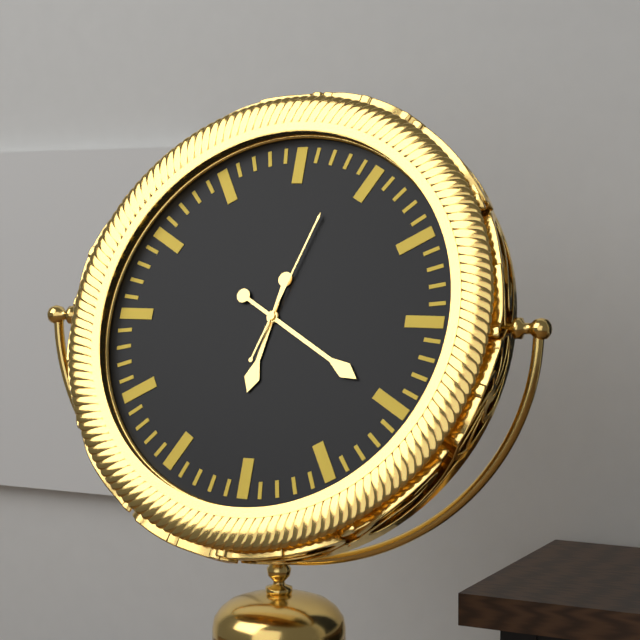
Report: 6:20:03
